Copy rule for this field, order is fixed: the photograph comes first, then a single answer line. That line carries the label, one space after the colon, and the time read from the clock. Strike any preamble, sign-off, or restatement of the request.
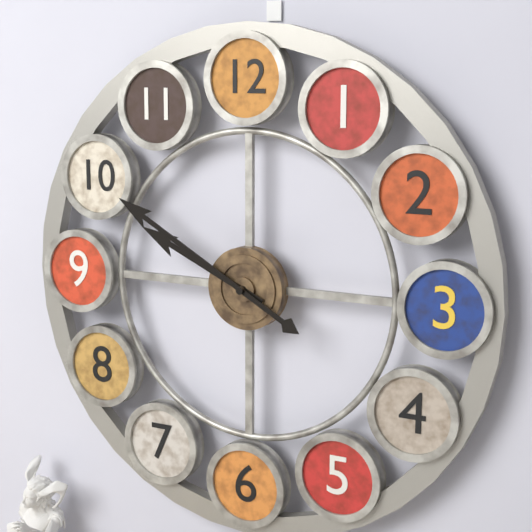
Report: 9:50
